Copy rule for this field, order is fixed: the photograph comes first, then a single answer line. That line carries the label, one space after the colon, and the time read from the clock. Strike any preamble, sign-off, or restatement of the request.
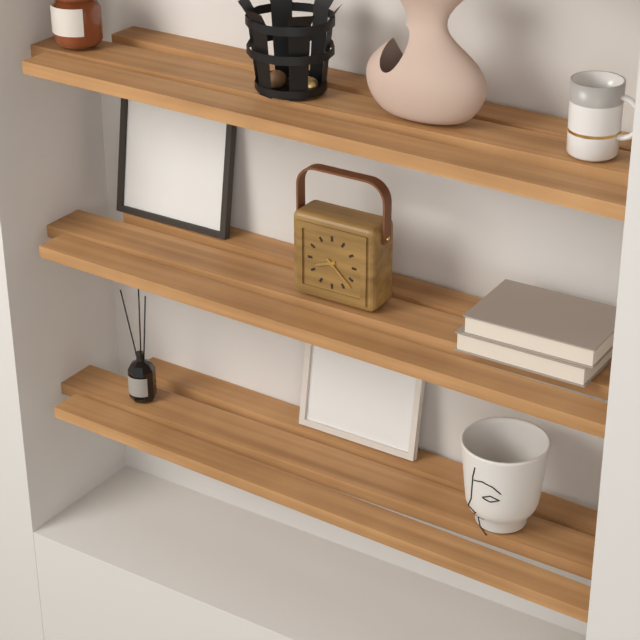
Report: 8:22
